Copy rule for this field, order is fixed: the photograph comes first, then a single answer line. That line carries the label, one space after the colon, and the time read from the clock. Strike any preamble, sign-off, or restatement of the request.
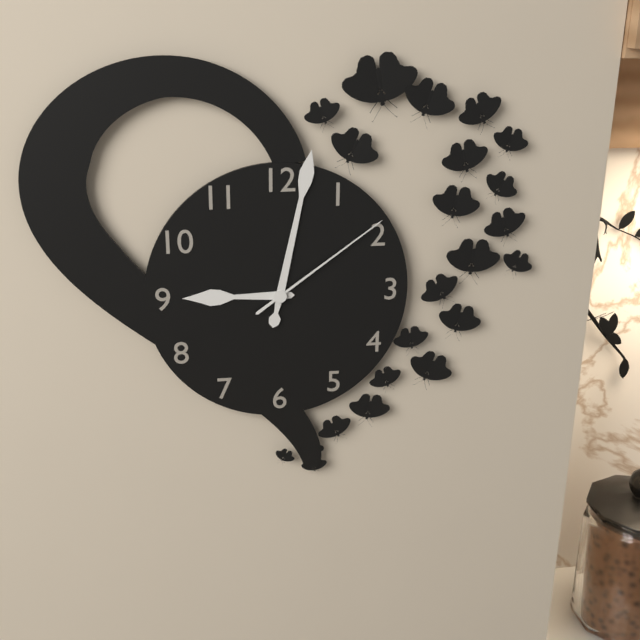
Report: 9:02:09
